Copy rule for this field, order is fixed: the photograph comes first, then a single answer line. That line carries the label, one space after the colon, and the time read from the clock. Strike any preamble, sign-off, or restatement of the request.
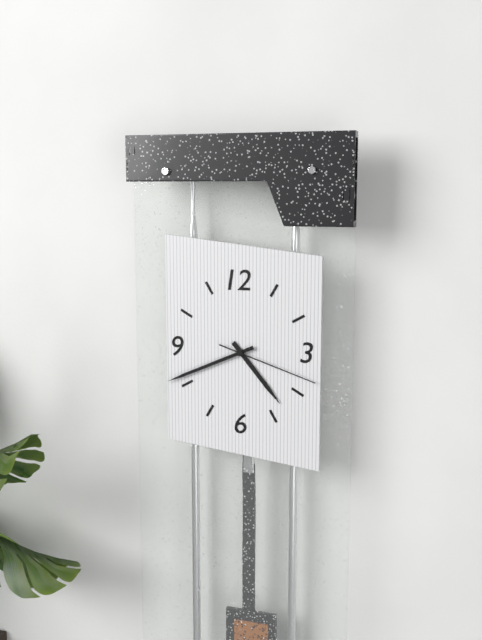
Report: 4:41:18
